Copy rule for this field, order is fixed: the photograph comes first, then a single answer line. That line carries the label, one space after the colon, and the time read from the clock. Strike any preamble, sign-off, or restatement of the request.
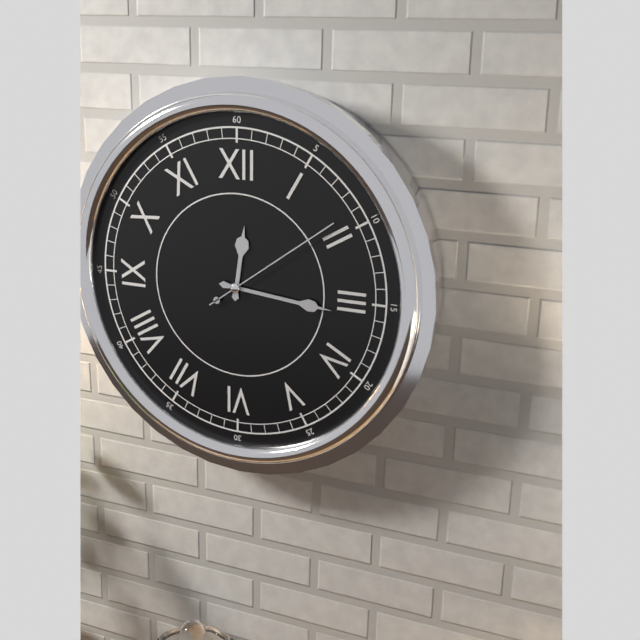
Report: 12:16:09
